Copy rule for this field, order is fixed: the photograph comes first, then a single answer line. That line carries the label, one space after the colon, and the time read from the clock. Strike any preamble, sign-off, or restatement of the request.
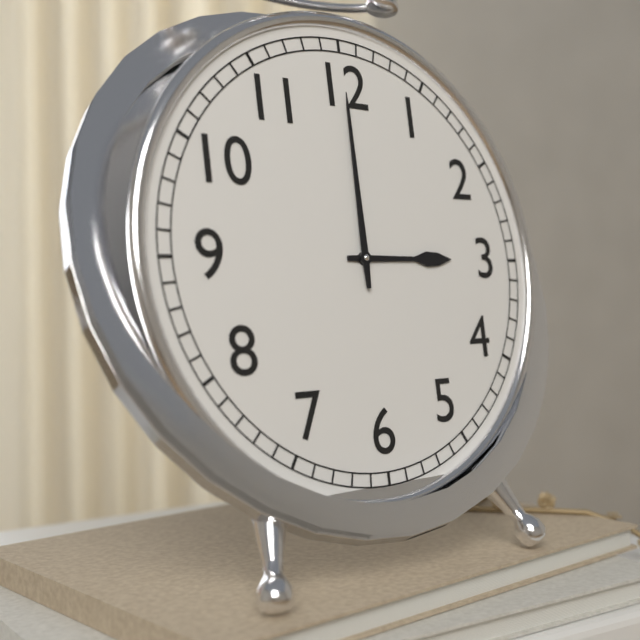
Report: 3:00
